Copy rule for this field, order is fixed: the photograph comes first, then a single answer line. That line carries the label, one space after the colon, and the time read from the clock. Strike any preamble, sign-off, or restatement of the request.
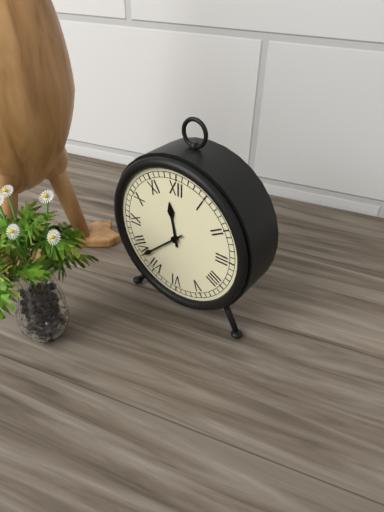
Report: 11:38
